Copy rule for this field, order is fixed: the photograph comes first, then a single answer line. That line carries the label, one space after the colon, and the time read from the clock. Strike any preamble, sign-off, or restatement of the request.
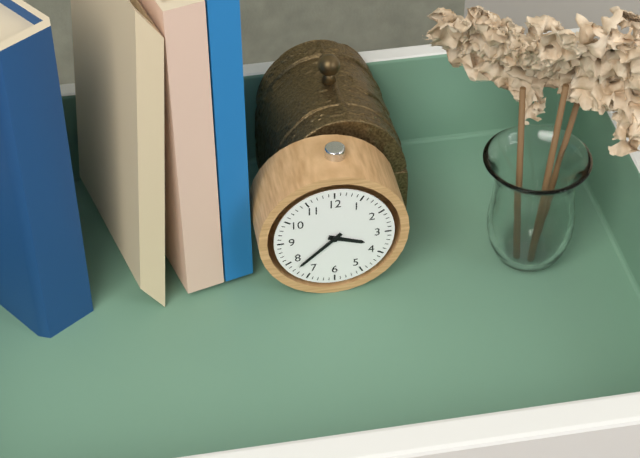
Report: 3:38
